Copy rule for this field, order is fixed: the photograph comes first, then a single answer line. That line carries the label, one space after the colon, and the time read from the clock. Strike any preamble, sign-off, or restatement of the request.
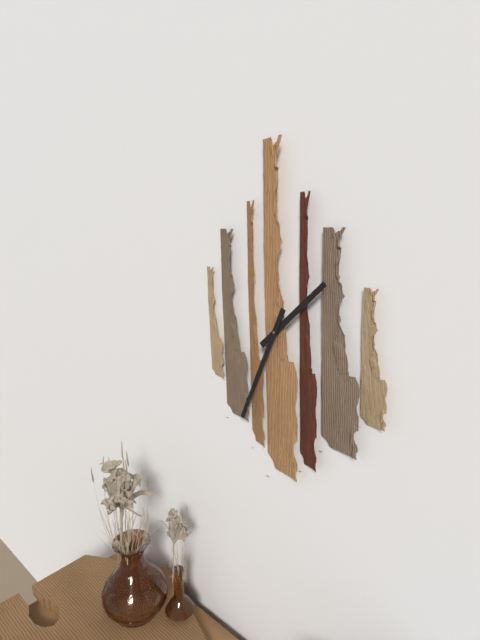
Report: 1:34
